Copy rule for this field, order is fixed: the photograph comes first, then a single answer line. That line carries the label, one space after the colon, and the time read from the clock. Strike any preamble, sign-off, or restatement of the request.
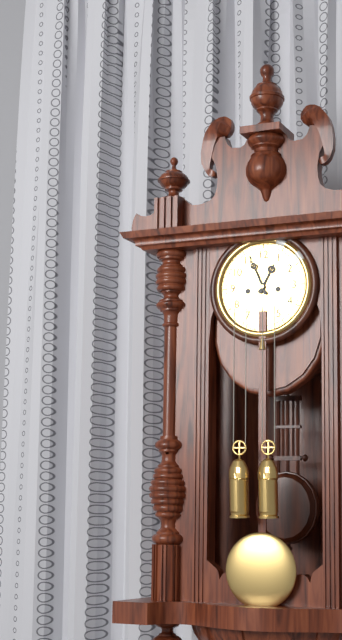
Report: 12:56
